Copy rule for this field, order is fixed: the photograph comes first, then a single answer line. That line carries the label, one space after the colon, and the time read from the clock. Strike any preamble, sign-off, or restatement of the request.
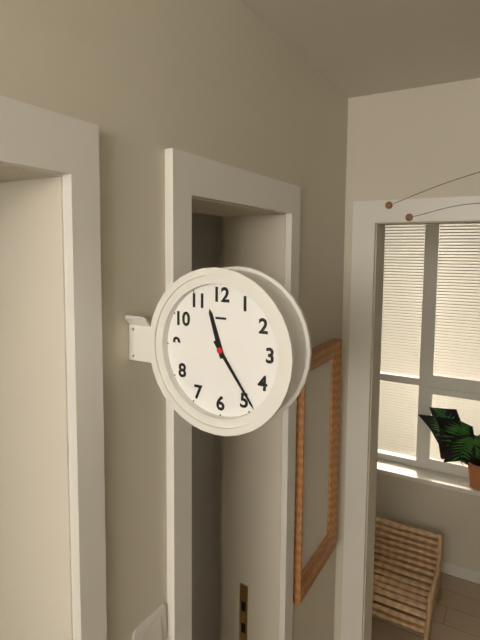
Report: 11:24
